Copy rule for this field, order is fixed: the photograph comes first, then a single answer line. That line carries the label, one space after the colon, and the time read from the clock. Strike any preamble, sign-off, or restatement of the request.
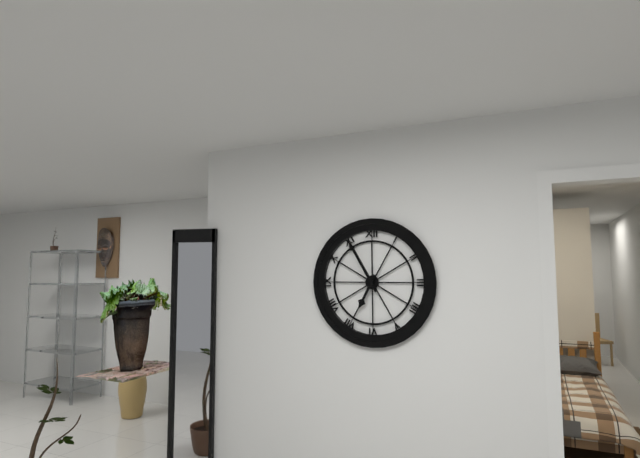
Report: 6:55
